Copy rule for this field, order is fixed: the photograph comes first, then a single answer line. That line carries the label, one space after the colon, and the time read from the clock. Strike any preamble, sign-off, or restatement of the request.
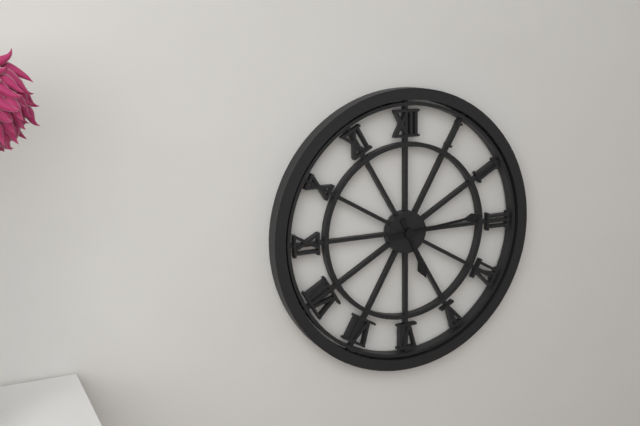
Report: 5:14
